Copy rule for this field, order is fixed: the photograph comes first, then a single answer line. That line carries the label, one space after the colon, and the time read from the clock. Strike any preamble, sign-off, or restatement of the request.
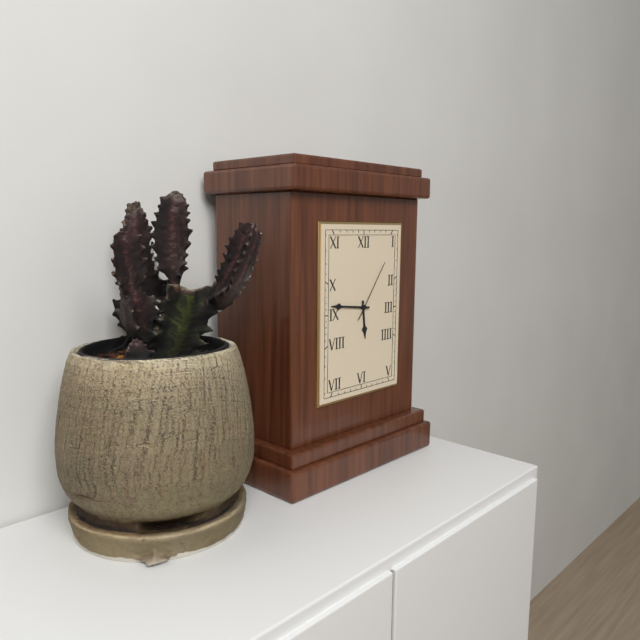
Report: 5:46:06
